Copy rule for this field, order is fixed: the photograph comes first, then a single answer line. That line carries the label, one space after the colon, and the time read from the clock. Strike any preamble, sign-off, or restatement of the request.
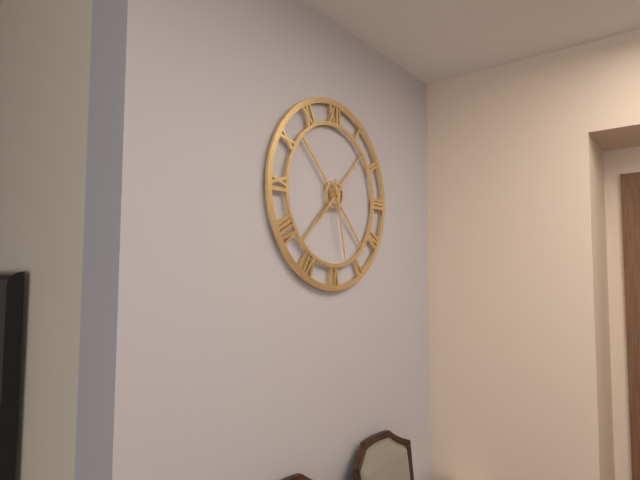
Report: 7:28
